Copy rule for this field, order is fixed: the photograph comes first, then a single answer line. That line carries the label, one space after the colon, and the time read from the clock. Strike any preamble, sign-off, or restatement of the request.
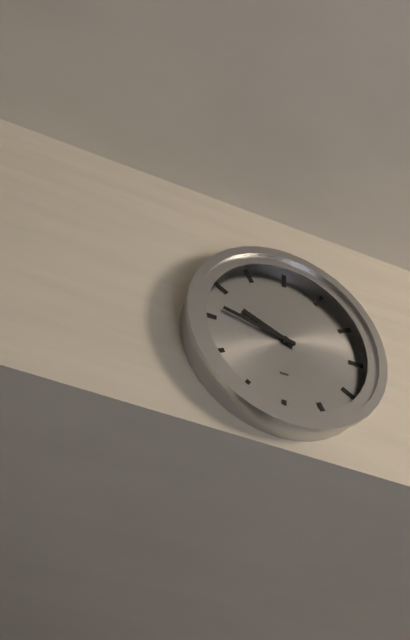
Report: 9:47
